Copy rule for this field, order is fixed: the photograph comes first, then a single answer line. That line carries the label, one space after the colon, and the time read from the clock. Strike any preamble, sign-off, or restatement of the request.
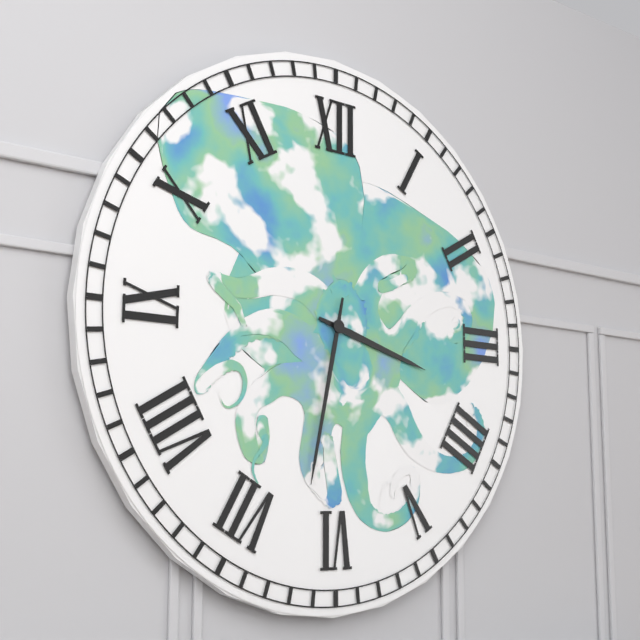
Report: 3:32
